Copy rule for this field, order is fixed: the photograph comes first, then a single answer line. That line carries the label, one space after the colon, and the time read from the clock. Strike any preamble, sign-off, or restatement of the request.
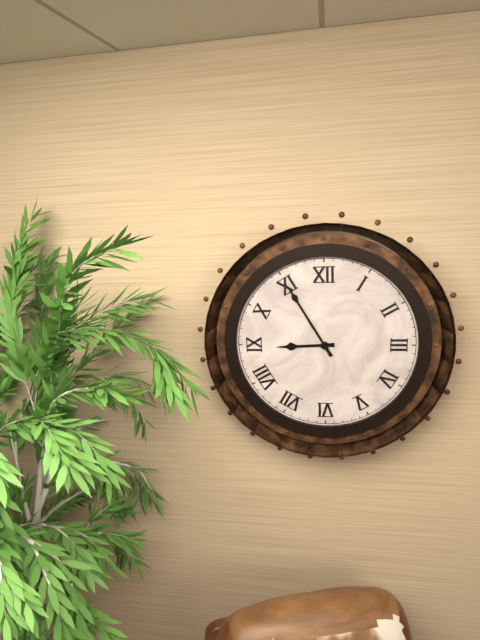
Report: 8:55
